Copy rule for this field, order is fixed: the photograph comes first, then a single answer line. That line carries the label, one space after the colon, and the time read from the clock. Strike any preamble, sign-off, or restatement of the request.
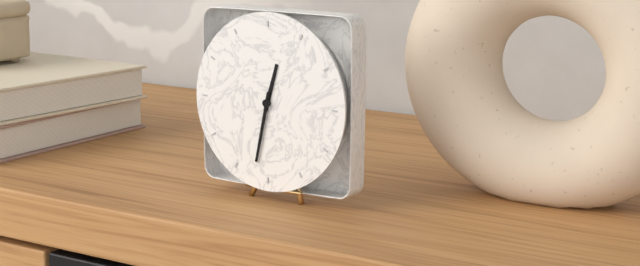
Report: 12:32
